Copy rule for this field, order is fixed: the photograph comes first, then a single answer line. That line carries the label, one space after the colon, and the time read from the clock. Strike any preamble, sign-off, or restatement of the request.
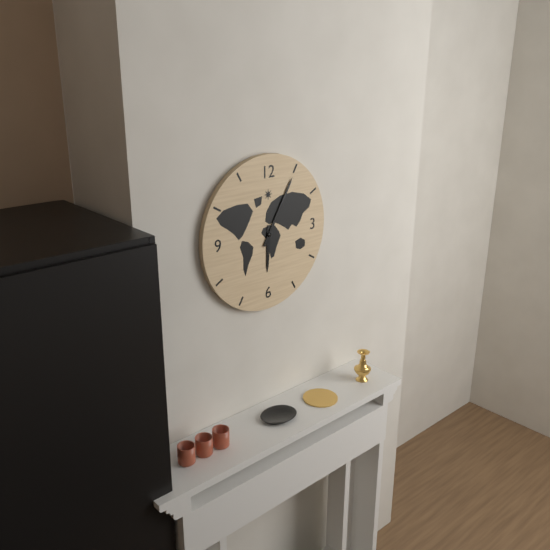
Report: 6:05
